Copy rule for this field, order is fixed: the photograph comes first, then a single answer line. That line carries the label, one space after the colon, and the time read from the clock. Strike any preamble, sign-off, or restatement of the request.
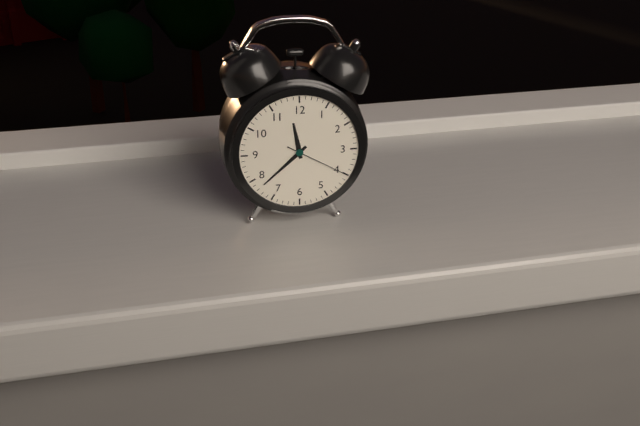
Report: 11:38:20
